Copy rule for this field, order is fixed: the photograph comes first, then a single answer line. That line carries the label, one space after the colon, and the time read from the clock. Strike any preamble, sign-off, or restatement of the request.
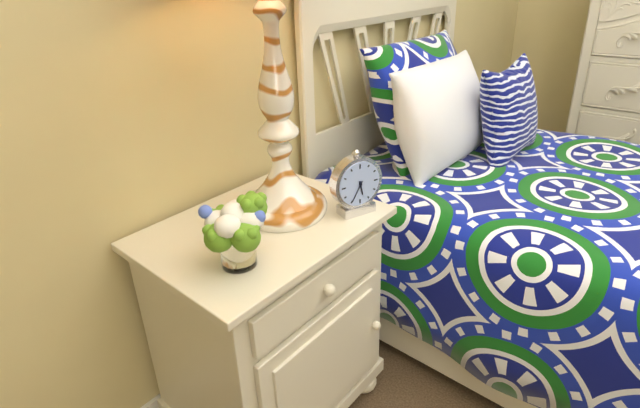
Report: 5:35
